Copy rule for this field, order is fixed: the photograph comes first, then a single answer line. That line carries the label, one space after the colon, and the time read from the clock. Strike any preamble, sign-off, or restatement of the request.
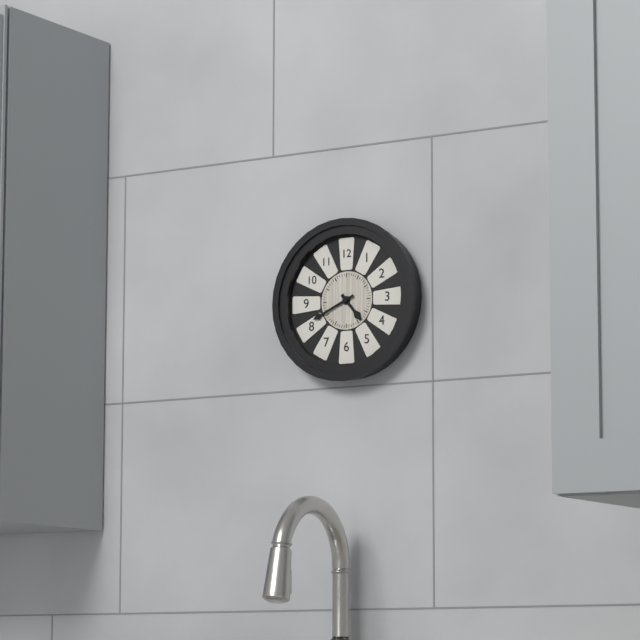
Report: 4:41
